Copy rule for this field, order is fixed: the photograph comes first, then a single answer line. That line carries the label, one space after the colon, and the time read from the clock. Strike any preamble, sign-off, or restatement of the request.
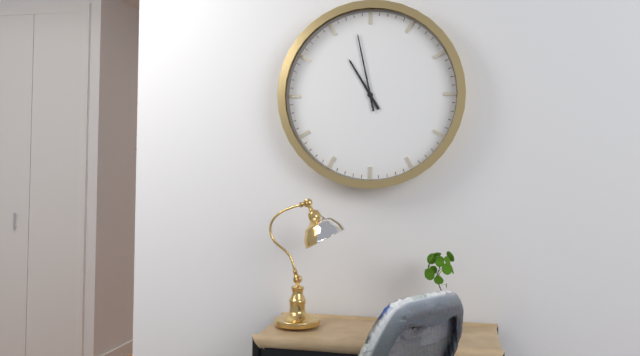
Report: 10:58
